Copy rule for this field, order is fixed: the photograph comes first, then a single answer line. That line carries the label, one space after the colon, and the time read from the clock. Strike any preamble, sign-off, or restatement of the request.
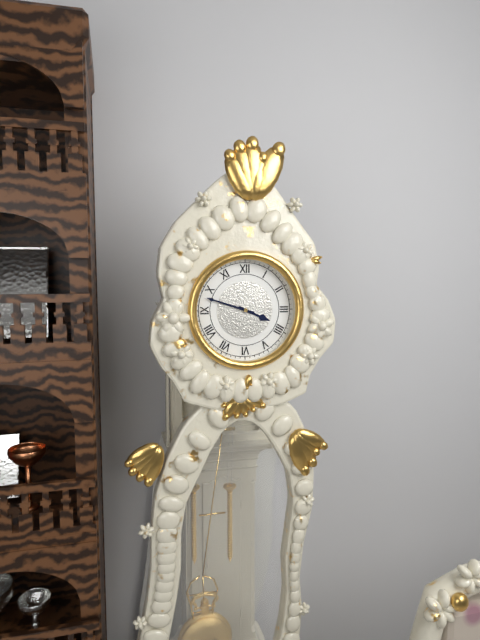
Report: 3:48
